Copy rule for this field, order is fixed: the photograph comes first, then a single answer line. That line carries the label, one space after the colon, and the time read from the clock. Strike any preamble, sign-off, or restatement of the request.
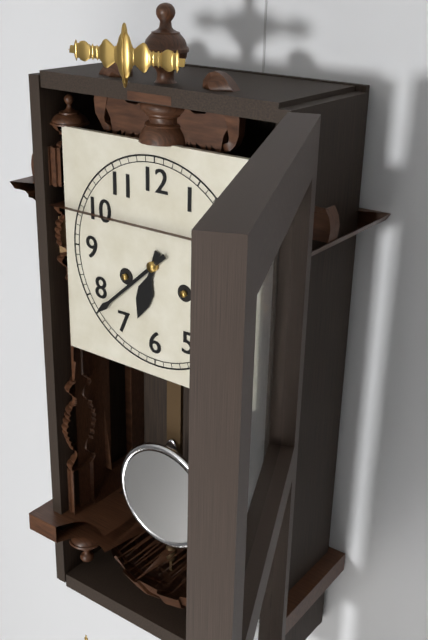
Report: 6:38
